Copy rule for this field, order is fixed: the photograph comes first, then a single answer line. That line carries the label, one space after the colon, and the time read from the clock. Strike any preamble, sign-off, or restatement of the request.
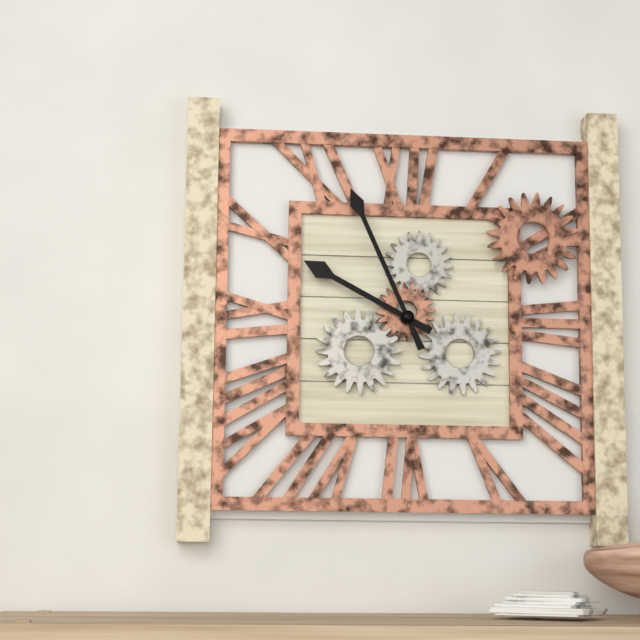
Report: 9:56
